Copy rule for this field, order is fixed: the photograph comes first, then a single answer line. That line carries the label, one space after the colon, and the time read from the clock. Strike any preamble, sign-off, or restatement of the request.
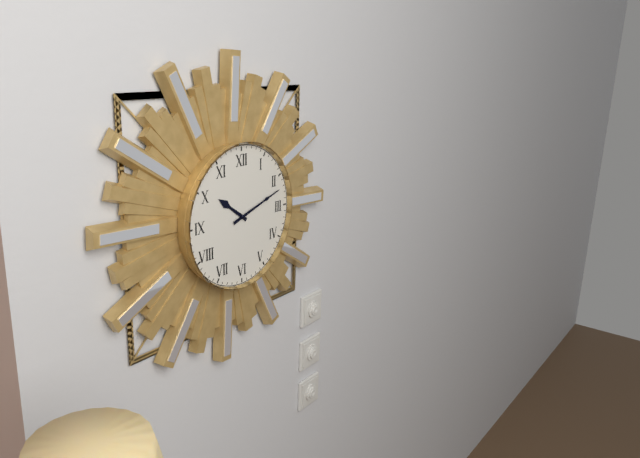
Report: 10:12
